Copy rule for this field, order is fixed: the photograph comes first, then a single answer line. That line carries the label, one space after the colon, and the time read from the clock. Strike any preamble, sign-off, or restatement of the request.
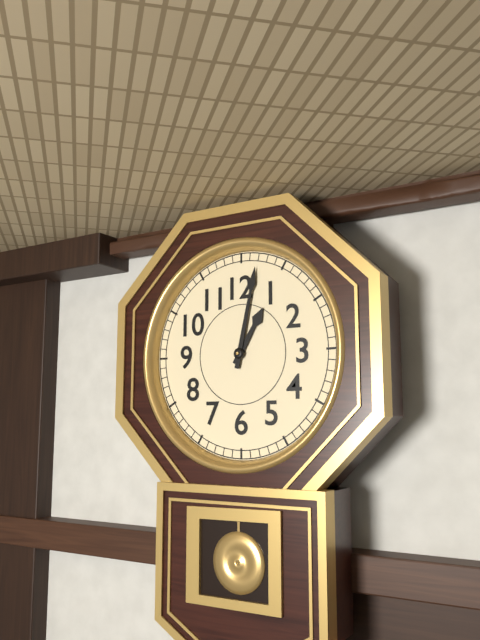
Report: 1:02
